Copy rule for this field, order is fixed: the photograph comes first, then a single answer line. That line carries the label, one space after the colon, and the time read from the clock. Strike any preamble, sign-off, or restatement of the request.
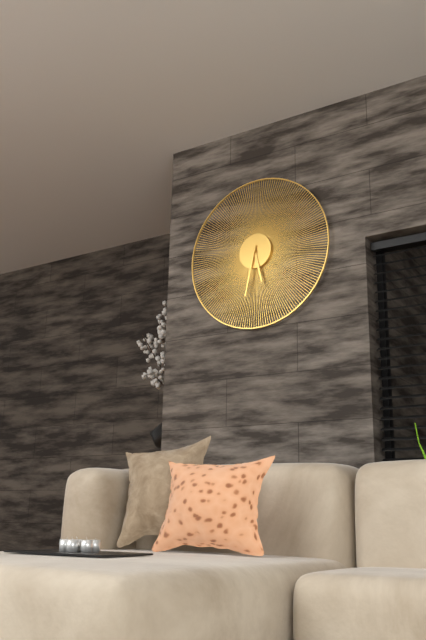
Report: 5:32
